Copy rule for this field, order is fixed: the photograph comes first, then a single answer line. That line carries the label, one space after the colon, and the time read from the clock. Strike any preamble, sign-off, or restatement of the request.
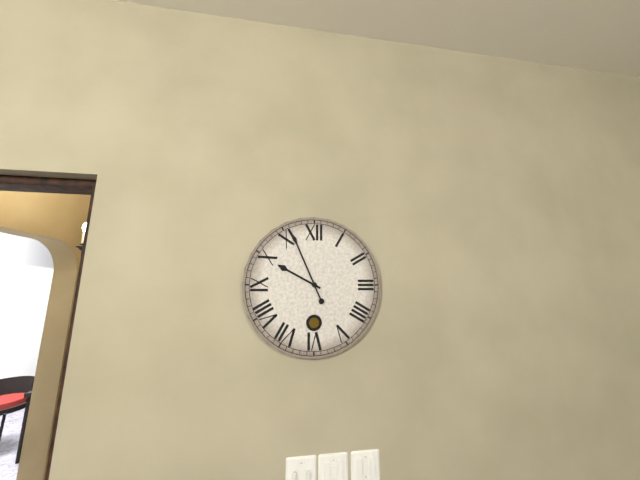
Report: 9:56
